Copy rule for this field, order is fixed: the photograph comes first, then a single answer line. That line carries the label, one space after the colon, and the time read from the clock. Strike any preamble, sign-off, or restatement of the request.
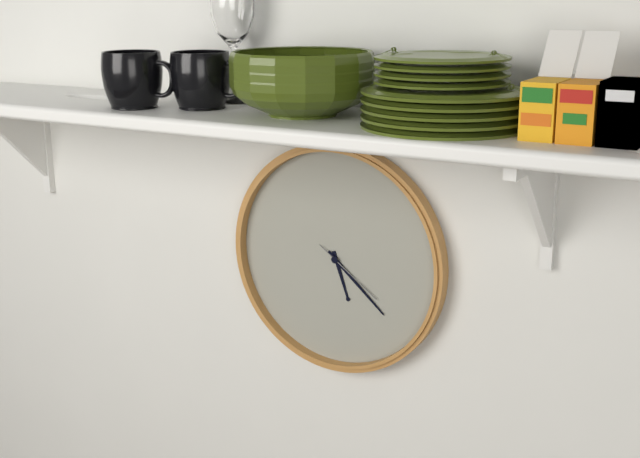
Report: 5:22:21
